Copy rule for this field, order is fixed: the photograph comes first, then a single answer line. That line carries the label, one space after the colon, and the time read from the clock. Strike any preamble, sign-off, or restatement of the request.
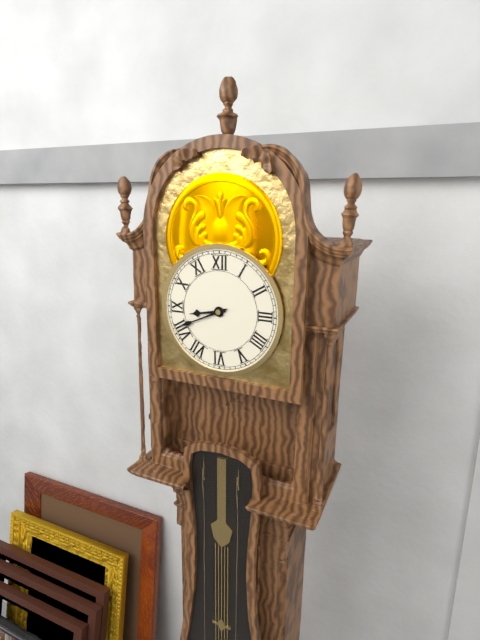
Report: 8:41
